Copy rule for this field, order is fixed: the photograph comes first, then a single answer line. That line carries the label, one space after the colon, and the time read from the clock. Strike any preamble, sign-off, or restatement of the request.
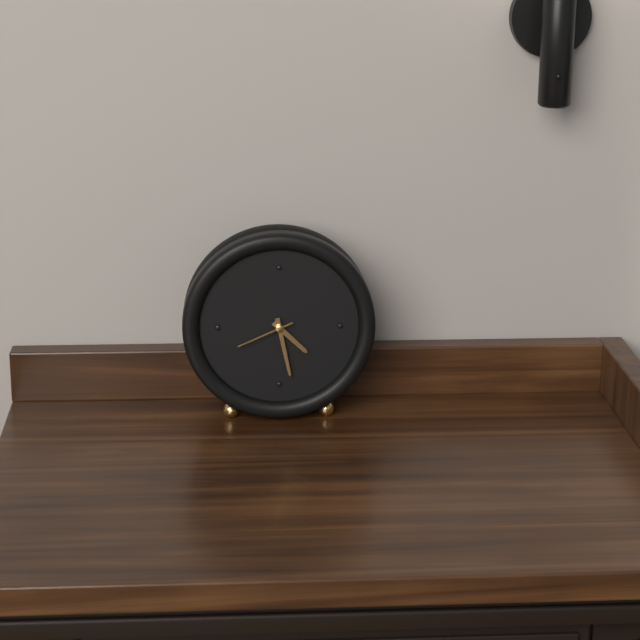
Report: 4:28:41
